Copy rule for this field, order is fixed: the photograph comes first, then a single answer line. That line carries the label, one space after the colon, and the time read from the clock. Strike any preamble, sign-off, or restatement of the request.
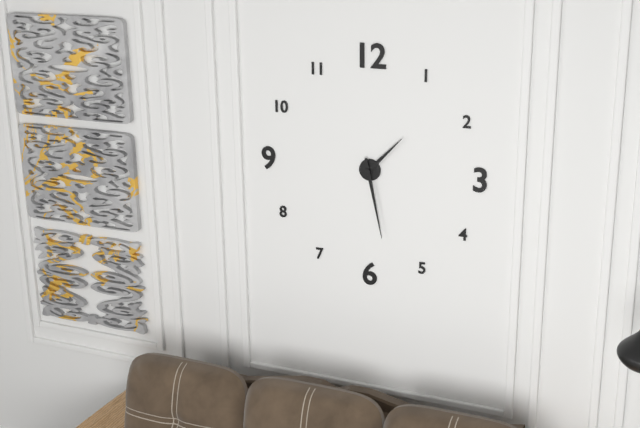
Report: 1:28
